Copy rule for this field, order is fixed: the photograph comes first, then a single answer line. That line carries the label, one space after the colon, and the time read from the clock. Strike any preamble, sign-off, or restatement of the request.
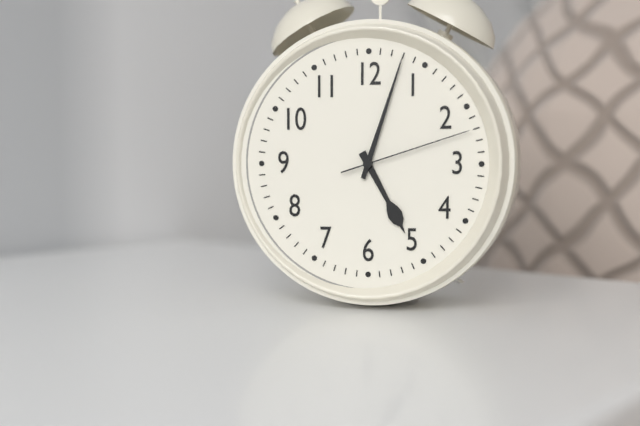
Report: 5:03:12
